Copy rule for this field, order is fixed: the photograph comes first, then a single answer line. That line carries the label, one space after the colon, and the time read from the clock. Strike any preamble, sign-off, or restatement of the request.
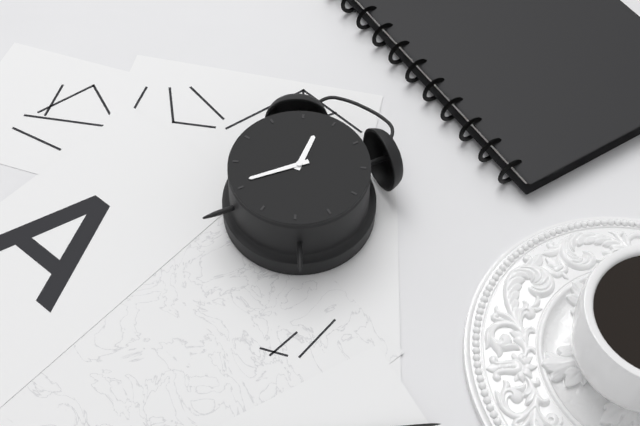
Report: 11:36
